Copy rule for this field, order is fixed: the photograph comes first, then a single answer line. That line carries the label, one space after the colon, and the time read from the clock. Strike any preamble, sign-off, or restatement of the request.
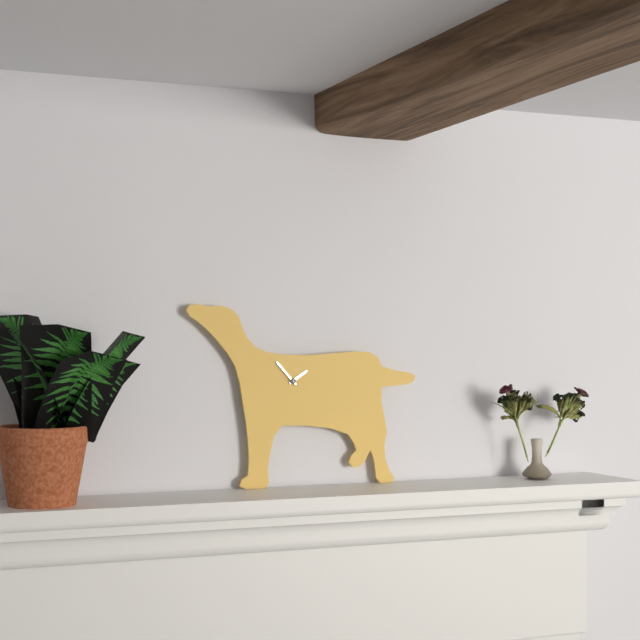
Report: 1:53
